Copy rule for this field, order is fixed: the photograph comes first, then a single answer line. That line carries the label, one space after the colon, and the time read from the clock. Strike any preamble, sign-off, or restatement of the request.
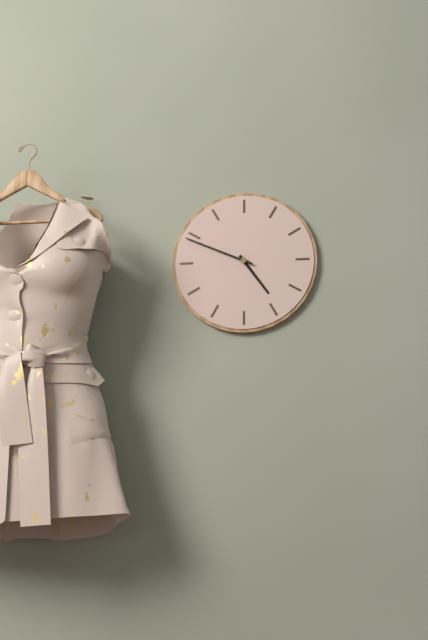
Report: 4:49
